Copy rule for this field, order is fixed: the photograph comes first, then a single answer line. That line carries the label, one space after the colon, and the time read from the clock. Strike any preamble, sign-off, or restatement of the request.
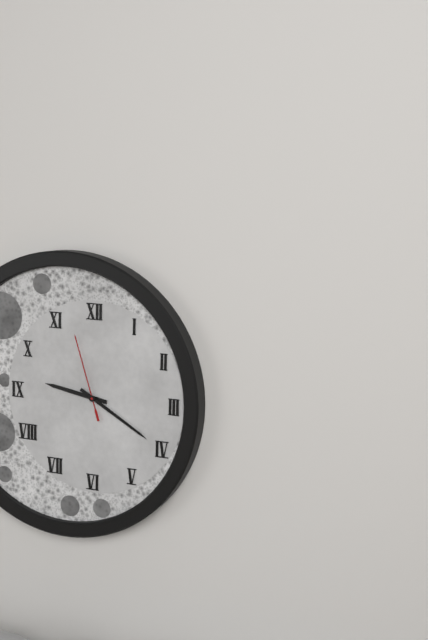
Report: 9:20:57
